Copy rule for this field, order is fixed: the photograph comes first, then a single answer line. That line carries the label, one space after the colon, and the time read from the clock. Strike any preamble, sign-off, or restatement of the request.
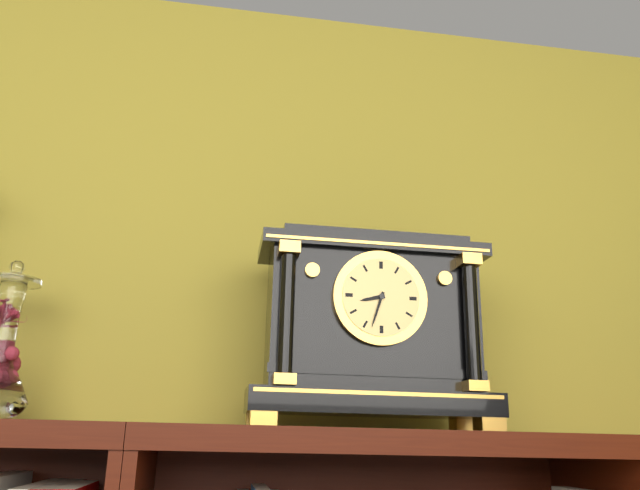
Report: 8:33
